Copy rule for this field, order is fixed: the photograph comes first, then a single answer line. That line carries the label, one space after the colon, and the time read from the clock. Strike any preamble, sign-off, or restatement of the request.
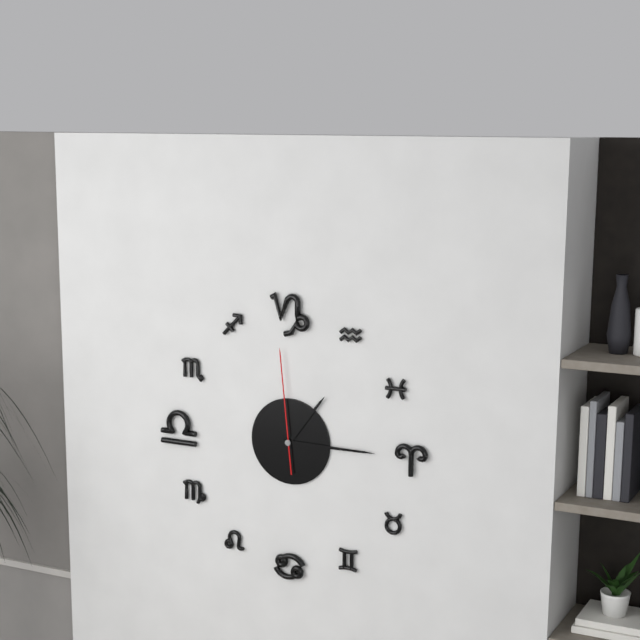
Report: 1:15:59
